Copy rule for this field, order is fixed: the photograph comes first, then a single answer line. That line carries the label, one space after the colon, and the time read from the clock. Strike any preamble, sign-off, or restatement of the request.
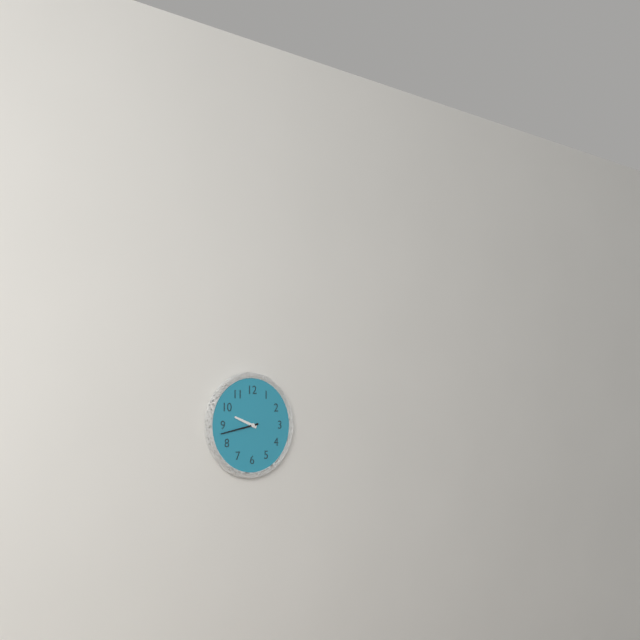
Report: 9:43
